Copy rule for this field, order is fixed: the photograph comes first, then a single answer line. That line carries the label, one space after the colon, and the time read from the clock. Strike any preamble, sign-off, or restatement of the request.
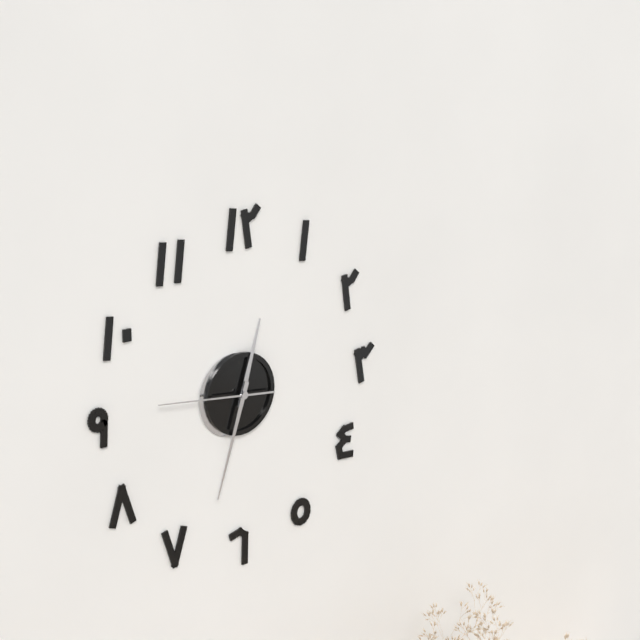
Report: 12:33:46
